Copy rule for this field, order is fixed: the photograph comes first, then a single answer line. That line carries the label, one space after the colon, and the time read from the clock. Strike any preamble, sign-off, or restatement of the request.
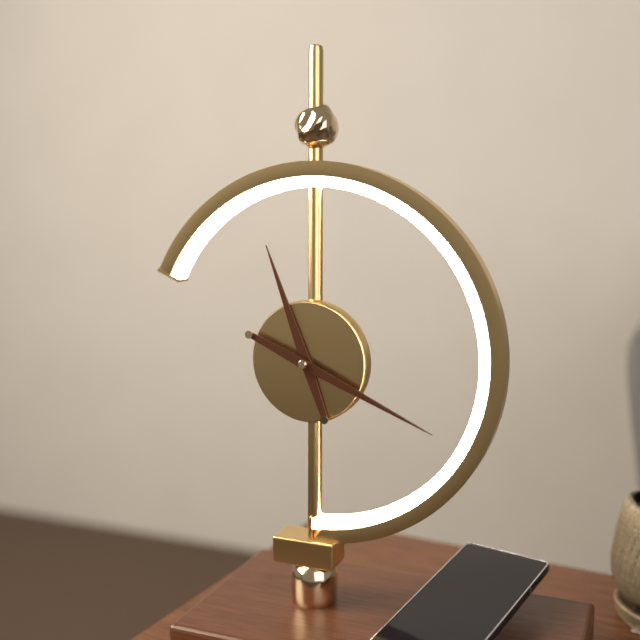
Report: 11:19
